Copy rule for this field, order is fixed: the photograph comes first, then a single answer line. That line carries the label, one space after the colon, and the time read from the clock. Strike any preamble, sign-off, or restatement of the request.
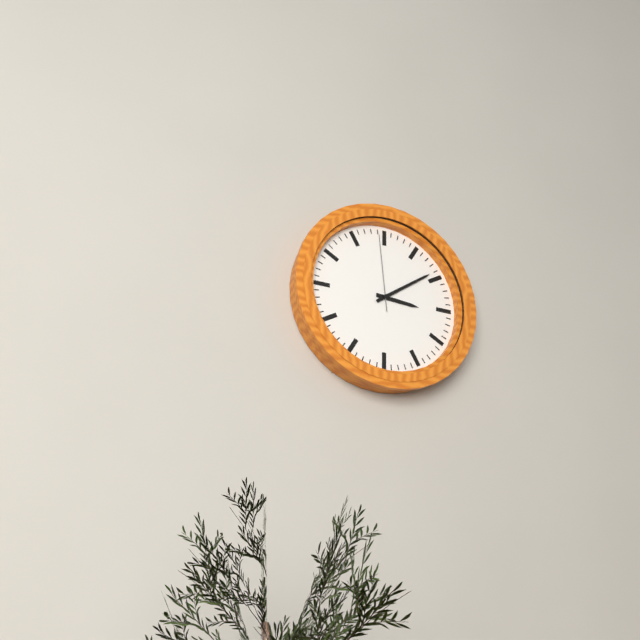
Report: 3:09:59
